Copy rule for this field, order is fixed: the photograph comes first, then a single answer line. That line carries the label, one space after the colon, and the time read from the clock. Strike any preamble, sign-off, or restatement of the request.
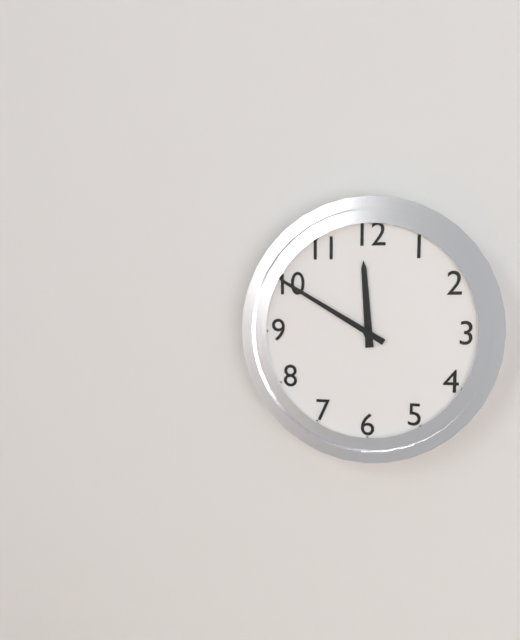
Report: 11:50
